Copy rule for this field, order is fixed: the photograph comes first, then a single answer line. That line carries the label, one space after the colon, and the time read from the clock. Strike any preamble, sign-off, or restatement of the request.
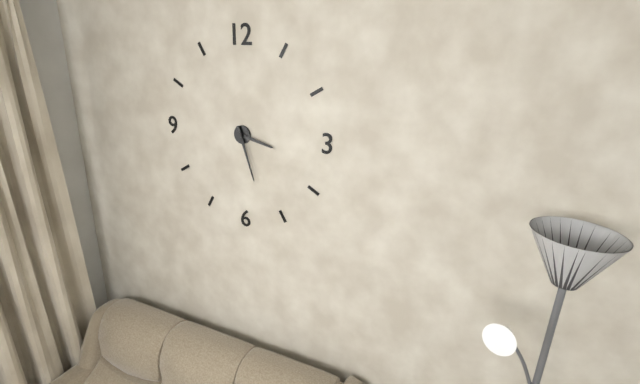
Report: 3:27
